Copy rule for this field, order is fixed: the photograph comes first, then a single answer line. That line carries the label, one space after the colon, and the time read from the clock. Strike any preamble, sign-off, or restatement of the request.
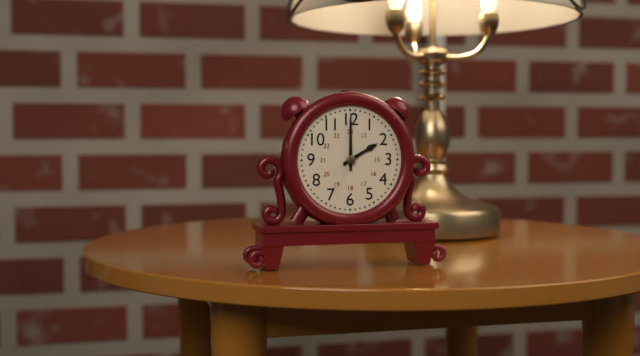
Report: 2:00
